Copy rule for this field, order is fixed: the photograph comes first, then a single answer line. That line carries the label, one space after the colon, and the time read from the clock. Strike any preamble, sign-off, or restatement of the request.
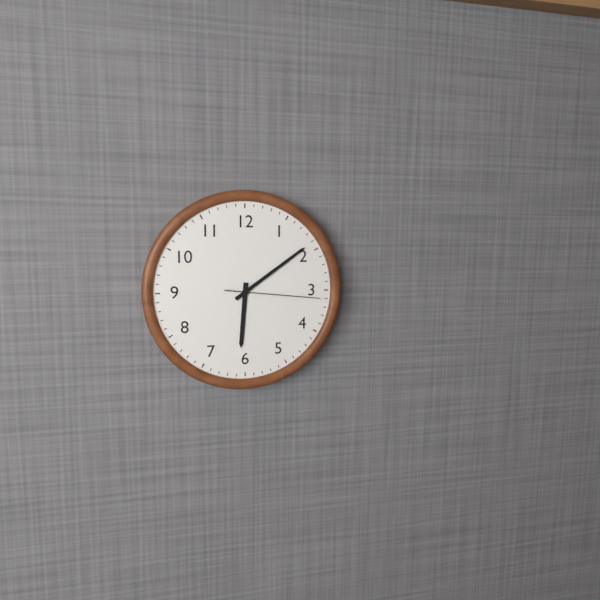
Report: 6:09:16
